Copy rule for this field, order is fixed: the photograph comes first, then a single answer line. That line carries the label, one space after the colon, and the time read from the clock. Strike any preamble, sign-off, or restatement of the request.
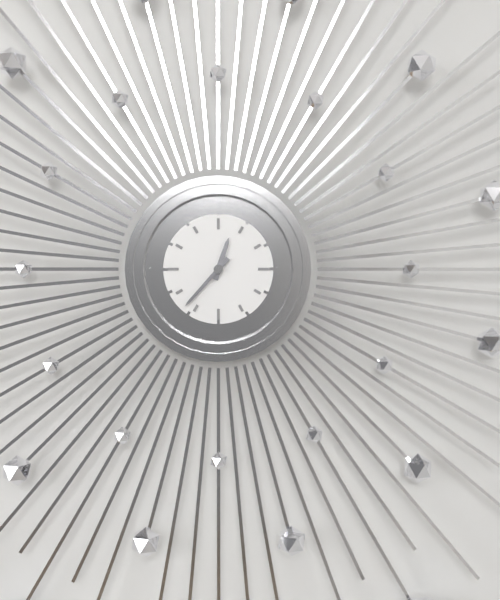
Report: 12:37
